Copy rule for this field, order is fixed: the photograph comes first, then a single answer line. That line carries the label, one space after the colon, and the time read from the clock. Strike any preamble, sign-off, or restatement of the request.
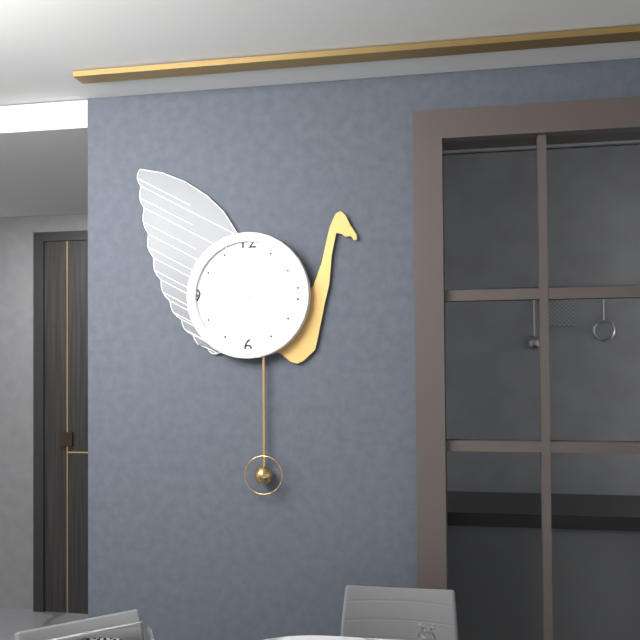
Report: 8:56
